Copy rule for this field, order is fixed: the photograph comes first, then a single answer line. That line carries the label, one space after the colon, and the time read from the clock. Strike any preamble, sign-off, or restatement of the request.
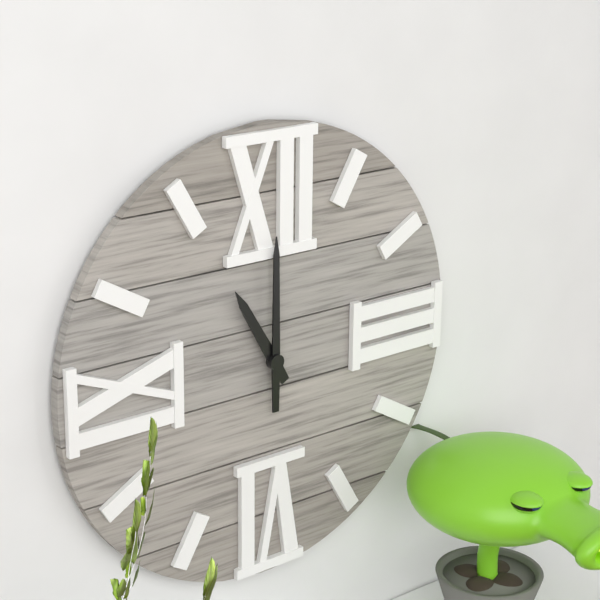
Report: 11:00
